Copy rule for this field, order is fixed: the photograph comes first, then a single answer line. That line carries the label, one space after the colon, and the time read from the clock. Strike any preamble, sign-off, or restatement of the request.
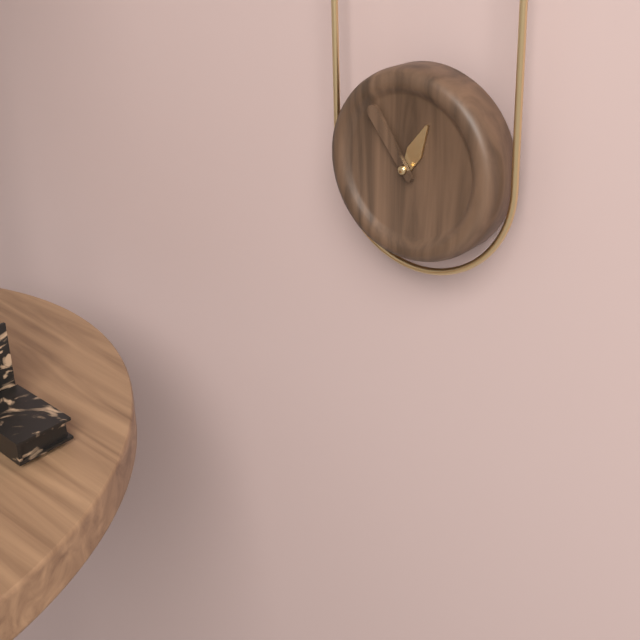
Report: 12:54
